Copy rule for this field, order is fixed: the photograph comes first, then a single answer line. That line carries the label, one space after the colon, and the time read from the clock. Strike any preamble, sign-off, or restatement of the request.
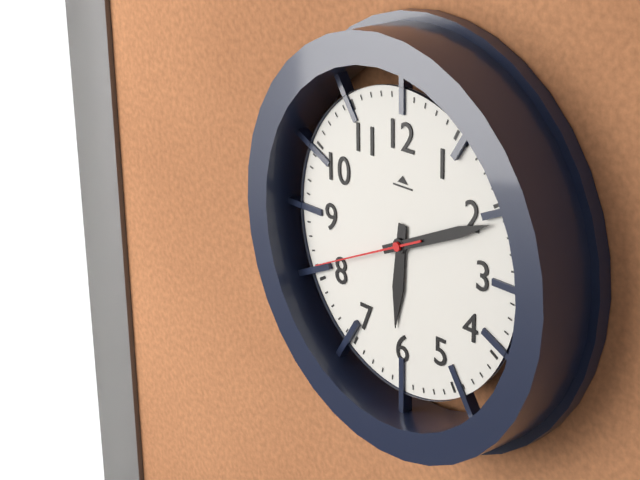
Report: 6:11:41
